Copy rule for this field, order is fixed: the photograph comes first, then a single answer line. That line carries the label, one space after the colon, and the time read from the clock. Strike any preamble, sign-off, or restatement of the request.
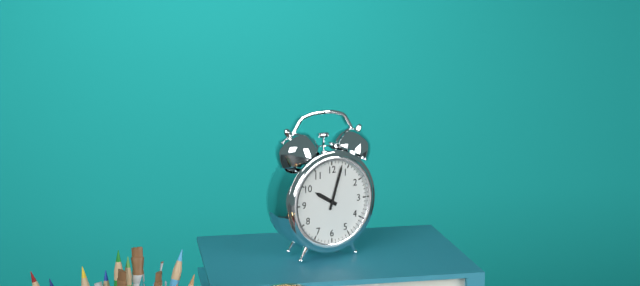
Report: 10:03
